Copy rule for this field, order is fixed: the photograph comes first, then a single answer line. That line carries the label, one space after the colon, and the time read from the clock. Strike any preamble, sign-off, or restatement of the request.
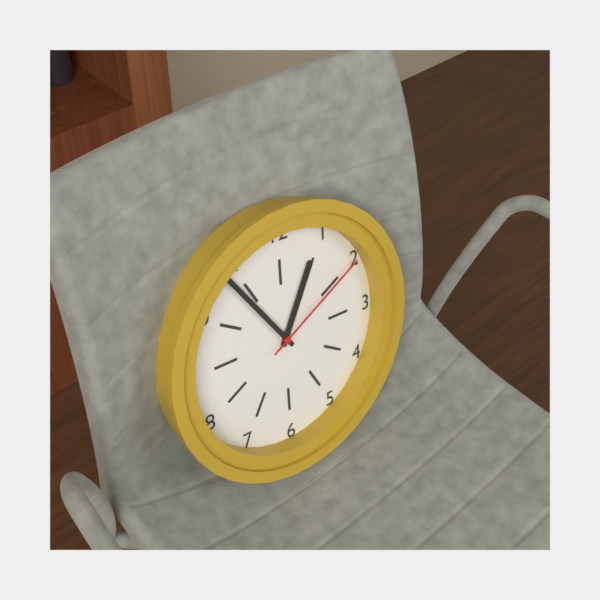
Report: 12:54:10
